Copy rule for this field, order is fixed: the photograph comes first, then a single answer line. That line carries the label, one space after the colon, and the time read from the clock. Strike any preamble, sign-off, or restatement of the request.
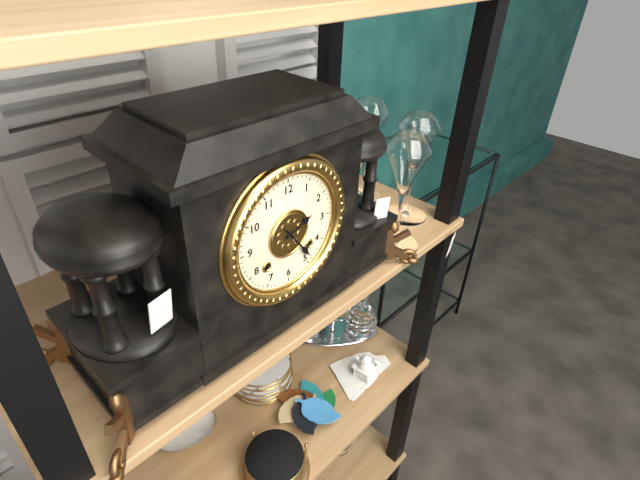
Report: 2:24
